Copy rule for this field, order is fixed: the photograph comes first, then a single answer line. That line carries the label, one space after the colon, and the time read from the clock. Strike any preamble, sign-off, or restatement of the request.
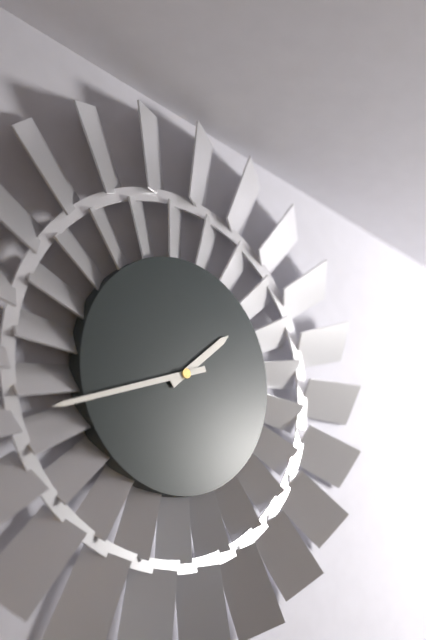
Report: 1:42
